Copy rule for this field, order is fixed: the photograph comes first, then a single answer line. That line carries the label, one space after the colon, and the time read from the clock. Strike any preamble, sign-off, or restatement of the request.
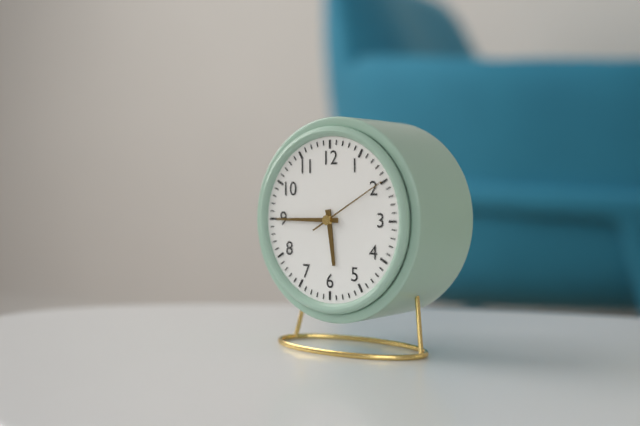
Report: 5:45:10
